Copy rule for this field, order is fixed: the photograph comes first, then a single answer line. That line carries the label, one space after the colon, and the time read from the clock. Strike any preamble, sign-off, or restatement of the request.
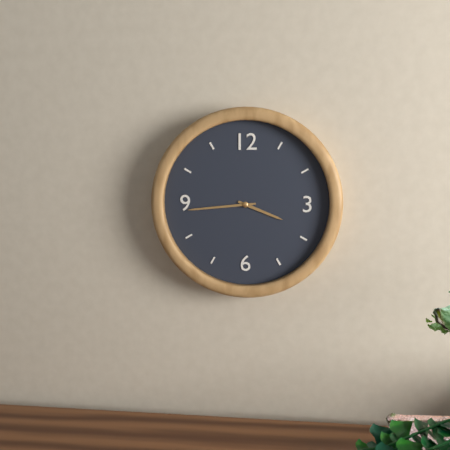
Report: 3:44
